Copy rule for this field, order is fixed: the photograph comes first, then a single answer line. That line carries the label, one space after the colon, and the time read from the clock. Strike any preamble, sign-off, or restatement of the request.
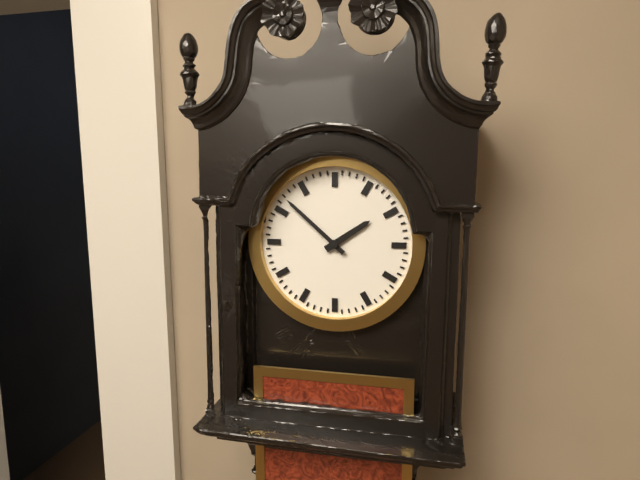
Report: 1:52
